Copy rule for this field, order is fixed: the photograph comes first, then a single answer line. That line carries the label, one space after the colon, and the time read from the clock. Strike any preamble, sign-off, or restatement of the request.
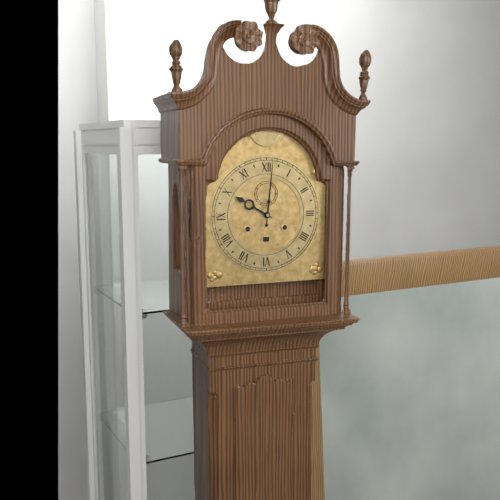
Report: 10:01
